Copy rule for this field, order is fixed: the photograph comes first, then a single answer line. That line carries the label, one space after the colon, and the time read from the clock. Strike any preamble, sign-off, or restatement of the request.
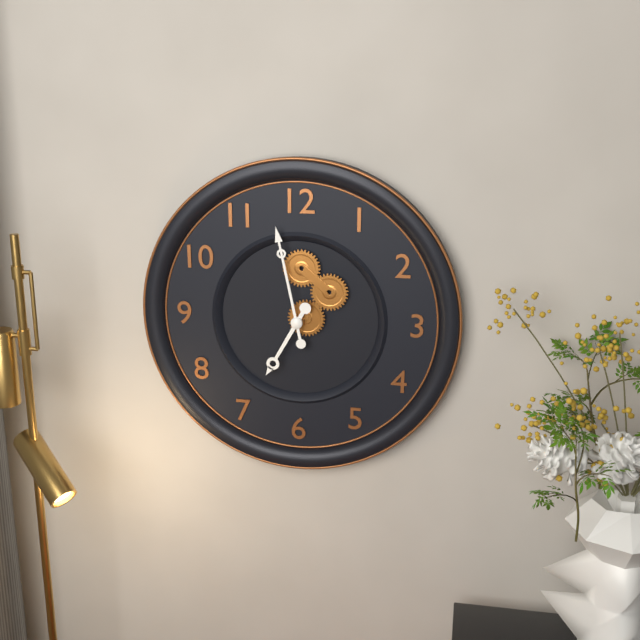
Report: 6:58
